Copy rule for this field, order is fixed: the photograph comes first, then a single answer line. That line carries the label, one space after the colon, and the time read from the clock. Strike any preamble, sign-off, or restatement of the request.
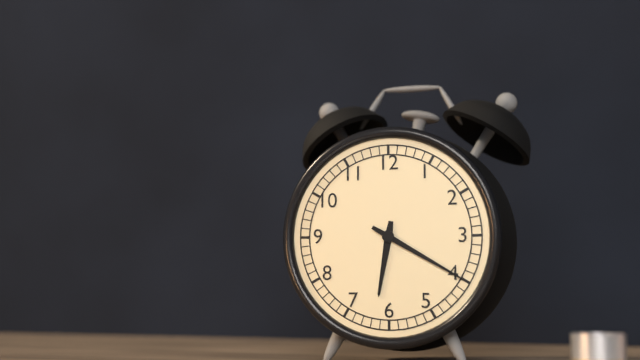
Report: 6:20
